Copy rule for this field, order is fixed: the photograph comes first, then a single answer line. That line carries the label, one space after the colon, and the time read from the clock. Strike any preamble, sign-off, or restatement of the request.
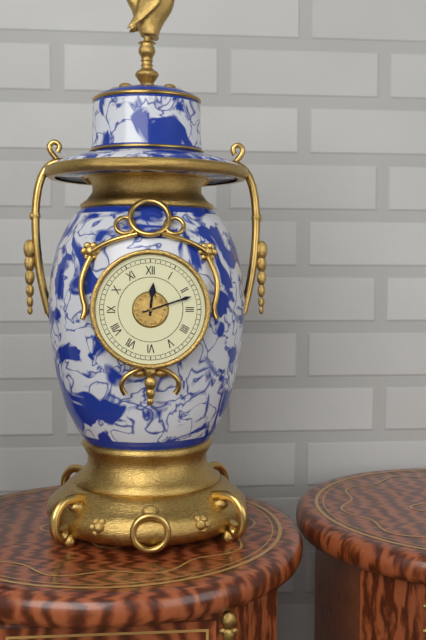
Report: 12:12
